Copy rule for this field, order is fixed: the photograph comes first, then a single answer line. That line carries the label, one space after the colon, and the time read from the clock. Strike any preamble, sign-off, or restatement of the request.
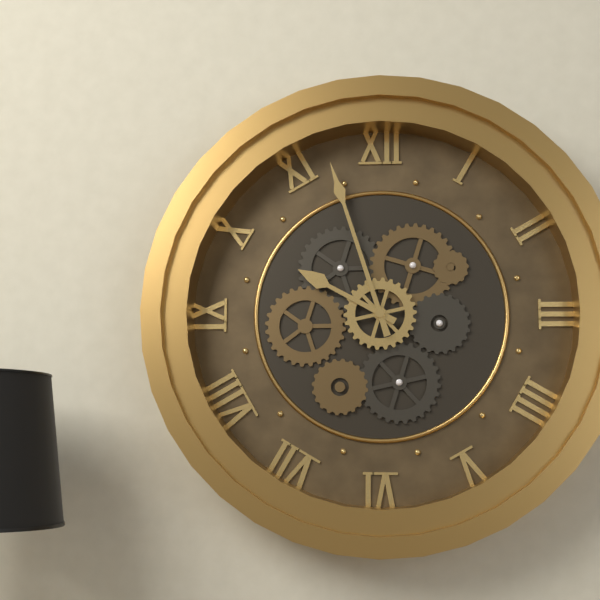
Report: 9:57
